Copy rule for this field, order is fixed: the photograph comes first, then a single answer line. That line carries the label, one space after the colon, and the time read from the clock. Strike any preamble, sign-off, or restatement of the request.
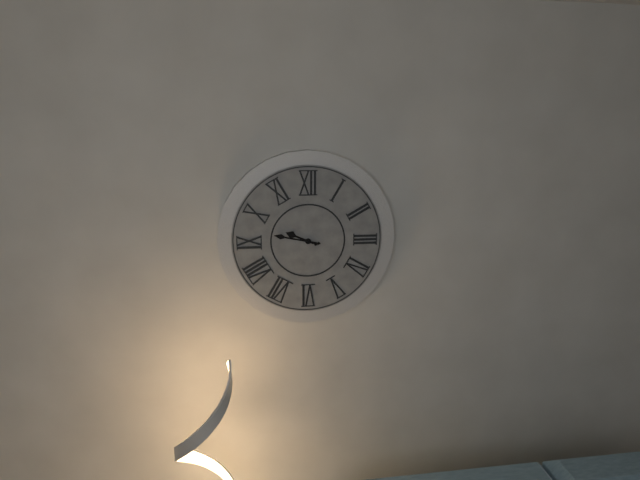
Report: 9:47
